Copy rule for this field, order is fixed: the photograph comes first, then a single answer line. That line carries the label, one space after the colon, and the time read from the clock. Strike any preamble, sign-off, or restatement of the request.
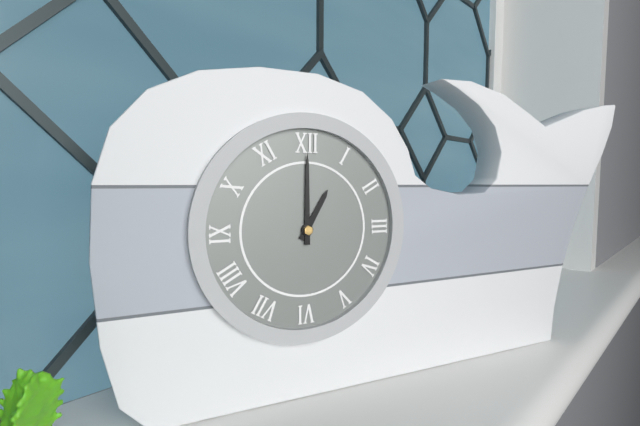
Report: 1:00
